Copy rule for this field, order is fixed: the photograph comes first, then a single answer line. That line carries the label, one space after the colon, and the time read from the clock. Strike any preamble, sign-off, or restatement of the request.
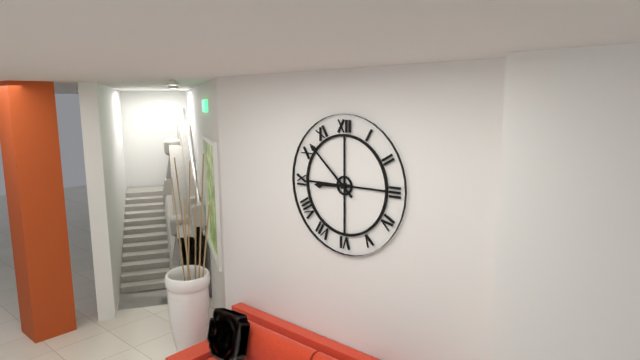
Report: 8:52
